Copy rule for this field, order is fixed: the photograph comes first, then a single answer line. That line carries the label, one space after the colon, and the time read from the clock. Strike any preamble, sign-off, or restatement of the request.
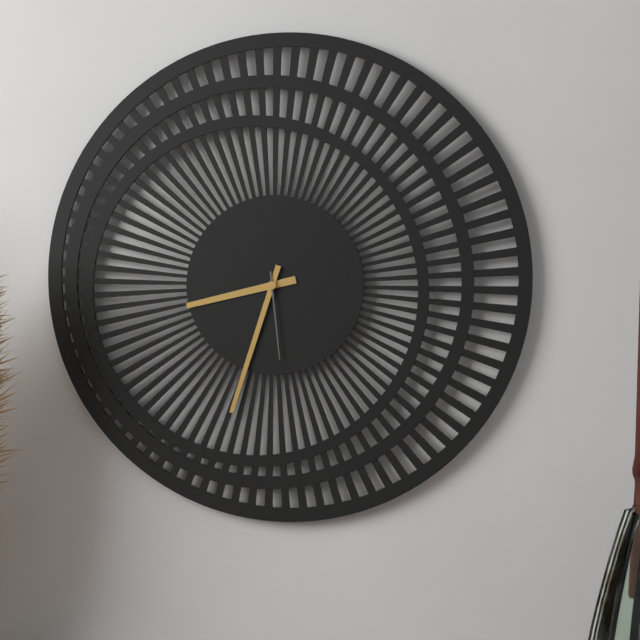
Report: 8:33:29
